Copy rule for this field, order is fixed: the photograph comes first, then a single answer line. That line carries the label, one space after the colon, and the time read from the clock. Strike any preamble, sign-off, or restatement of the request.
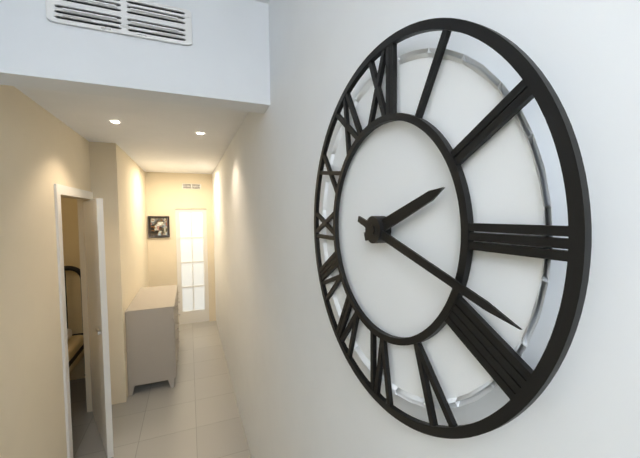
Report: 2:18
